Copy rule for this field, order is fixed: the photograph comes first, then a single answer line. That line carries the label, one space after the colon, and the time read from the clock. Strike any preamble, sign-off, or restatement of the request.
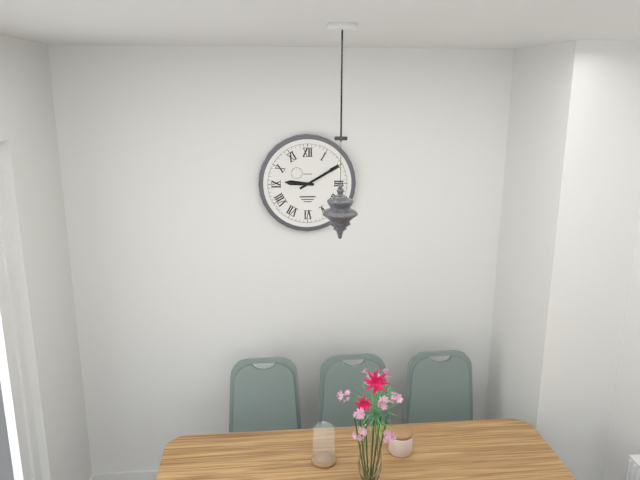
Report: 9:10
